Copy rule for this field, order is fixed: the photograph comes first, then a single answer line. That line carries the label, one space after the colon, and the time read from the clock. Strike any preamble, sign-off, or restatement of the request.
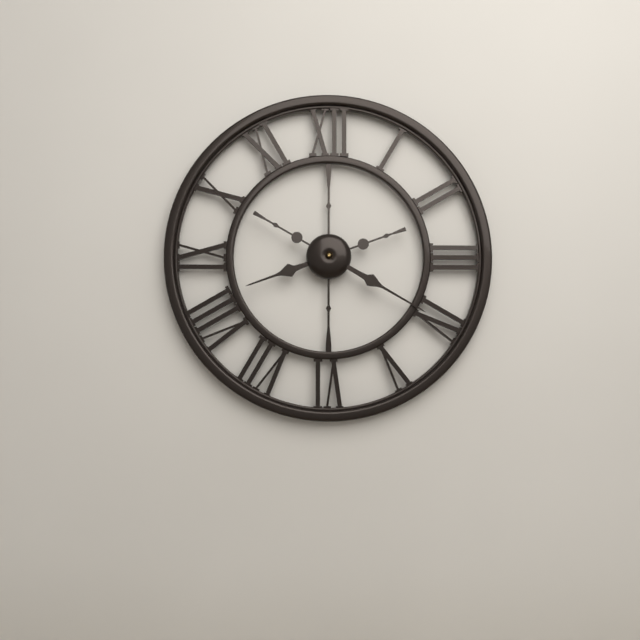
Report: 8:20
